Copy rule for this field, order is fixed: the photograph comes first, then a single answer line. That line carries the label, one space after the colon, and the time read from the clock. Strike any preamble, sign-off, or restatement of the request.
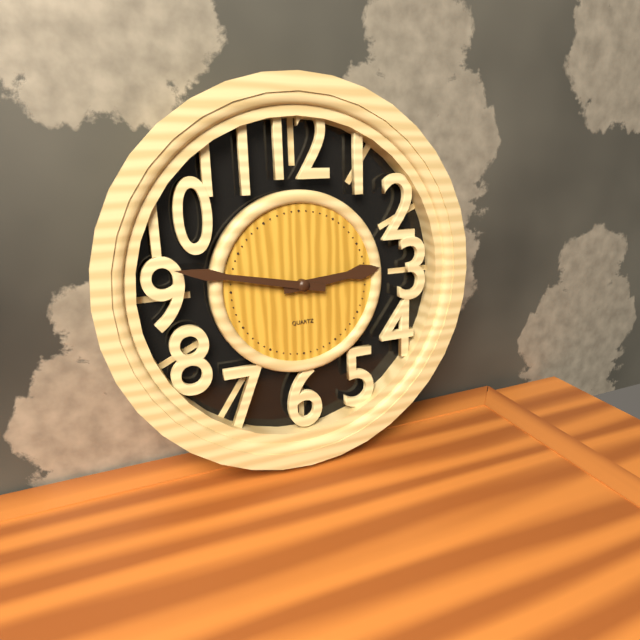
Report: 2:47
